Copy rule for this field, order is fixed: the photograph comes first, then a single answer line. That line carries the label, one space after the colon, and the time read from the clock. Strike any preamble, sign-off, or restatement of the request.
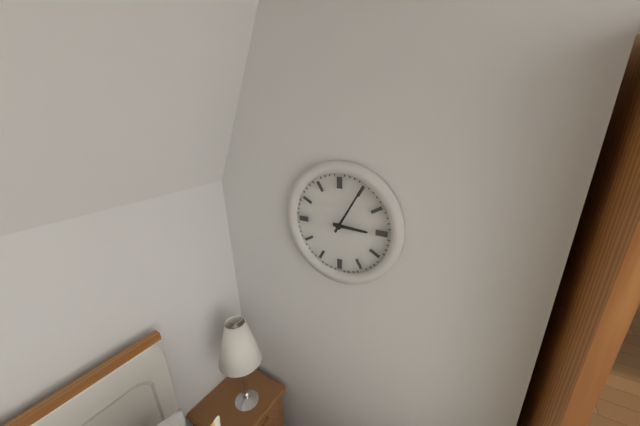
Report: 3:05
